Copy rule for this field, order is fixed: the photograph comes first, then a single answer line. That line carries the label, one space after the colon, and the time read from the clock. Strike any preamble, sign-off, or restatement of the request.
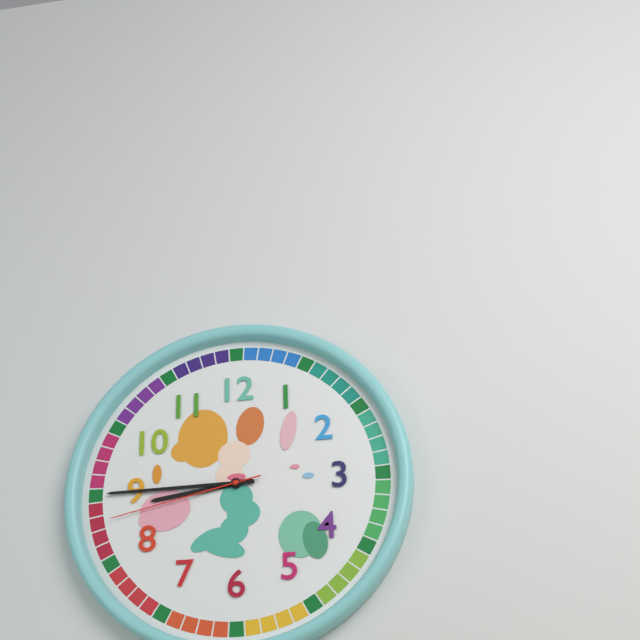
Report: 8:45:43
